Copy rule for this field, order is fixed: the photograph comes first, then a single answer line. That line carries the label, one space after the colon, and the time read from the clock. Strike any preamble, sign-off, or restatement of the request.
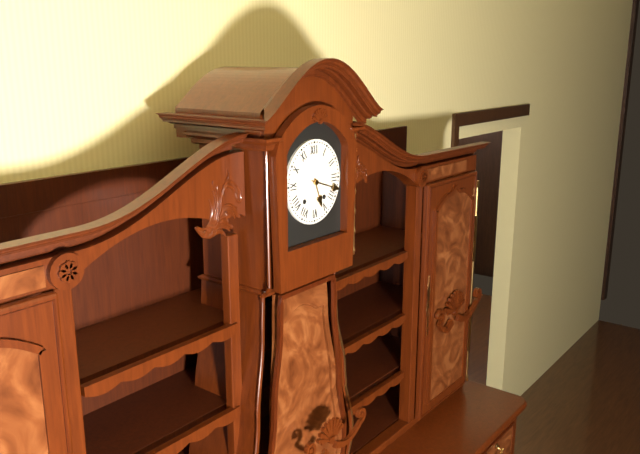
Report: 5:18
